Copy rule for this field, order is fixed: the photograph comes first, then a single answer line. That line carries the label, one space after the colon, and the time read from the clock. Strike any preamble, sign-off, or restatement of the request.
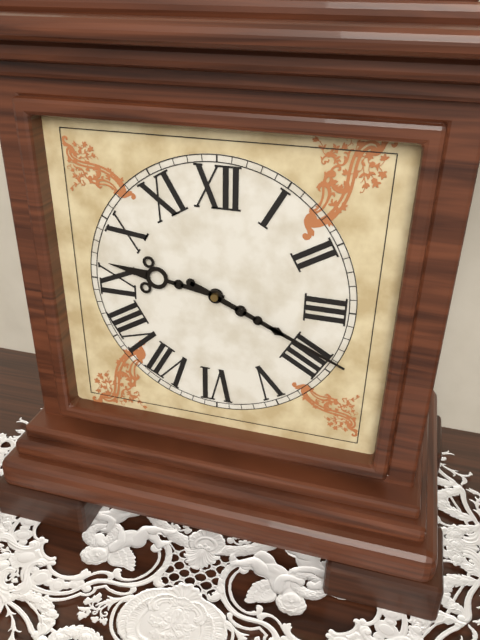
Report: 9:19
